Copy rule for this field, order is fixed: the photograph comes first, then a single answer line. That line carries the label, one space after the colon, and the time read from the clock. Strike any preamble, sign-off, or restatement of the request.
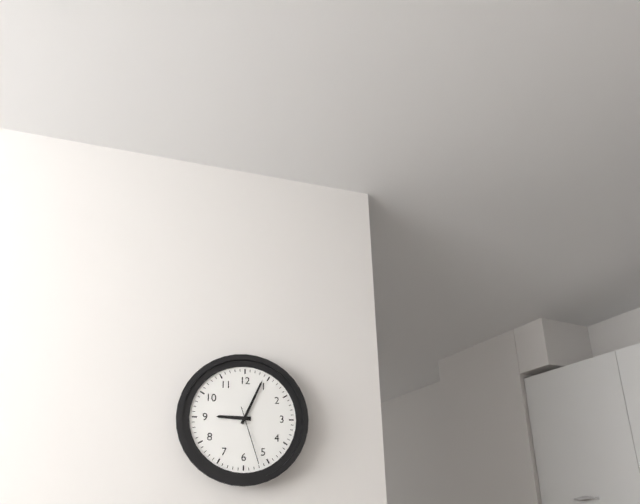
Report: 9:04:27
